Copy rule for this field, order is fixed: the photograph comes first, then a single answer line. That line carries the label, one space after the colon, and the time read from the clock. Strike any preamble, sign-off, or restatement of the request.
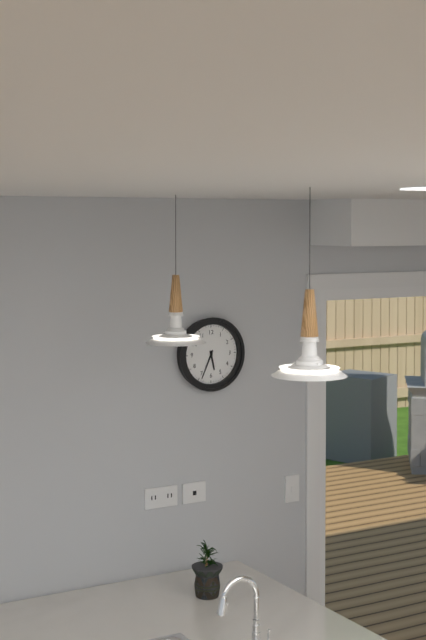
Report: 5:34
